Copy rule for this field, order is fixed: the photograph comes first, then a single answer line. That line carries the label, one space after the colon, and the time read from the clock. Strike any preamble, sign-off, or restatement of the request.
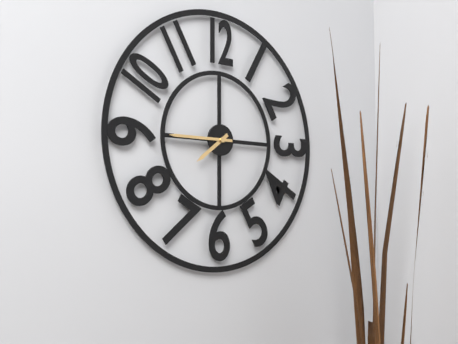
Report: 7:45
